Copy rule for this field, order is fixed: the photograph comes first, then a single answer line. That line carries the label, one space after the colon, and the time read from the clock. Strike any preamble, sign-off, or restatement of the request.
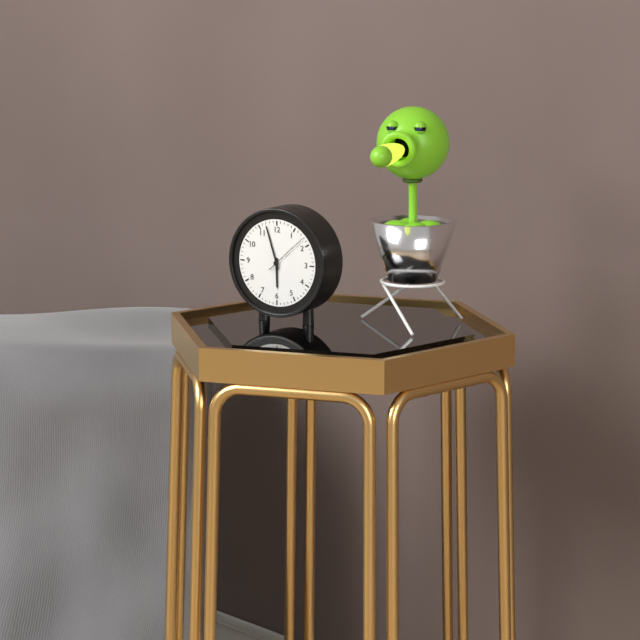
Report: 5:57
